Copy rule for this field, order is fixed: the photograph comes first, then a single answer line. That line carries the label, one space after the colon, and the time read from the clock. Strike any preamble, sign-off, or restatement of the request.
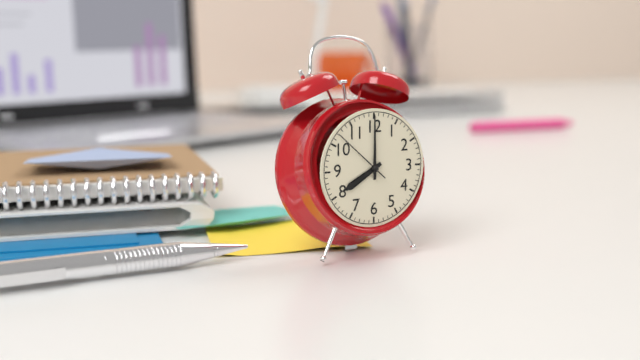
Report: 8:00:52
